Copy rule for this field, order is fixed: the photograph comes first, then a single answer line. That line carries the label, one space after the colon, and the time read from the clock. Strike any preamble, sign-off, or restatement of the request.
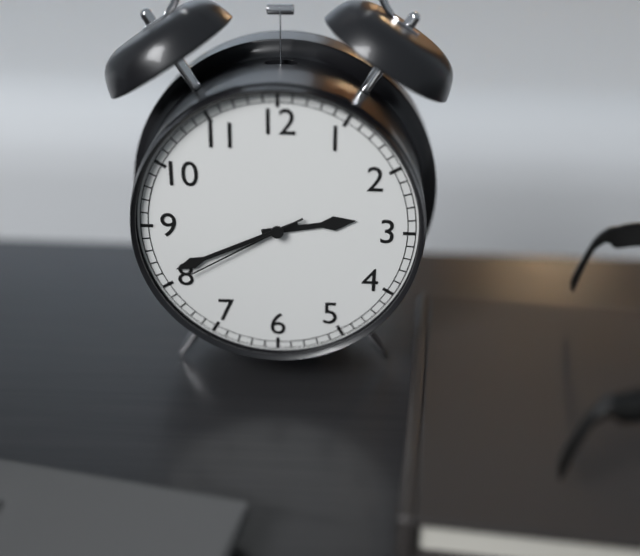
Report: 2:41:40
